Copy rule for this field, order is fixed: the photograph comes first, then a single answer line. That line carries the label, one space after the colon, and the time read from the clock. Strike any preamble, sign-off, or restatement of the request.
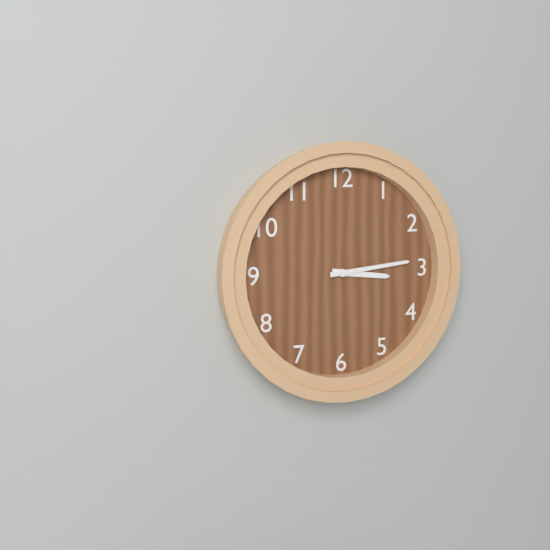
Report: 3:14
